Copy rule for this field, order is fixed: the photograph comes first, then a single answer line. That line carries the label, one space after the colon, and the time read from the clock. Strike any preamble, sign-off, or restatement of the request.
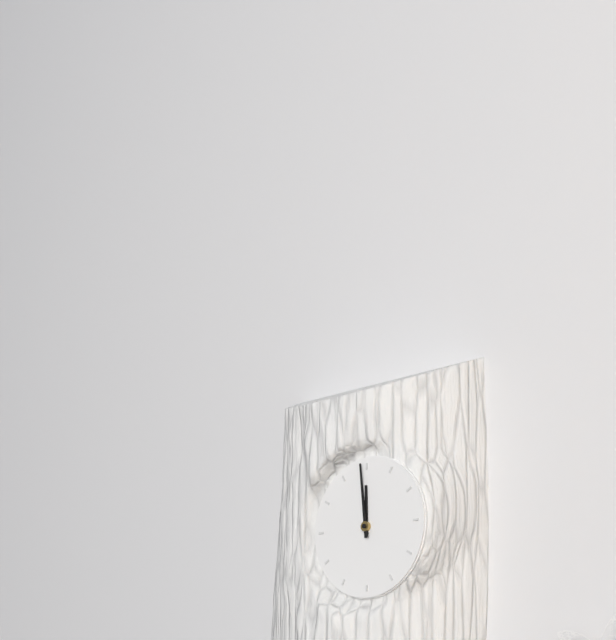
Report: 11:59
